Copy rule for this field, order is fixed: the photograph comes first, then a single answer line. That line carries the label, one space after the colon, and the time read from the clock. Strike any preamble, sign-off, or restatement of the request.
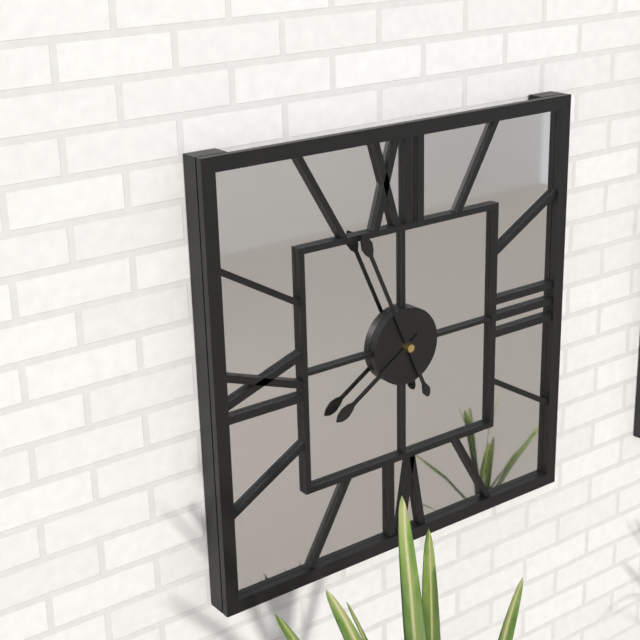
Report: 7:56
